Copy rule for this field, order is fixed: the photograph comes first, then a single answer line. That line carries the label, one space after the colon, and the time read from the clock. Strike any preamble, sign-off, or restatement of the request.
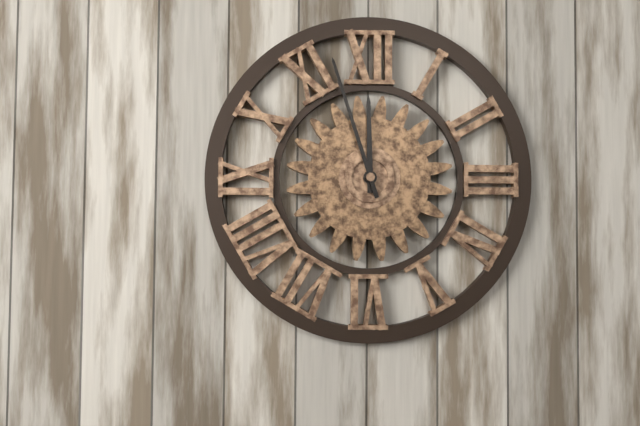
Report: 11:57
